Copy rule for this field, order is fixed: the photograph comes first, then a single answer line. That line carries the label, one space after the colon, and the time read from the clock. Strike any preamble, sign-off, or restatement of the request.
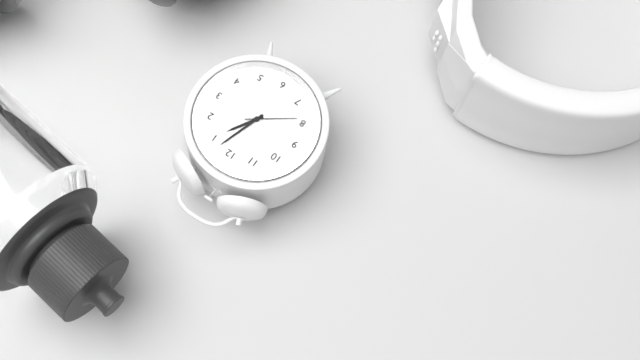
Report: 1:03:39
